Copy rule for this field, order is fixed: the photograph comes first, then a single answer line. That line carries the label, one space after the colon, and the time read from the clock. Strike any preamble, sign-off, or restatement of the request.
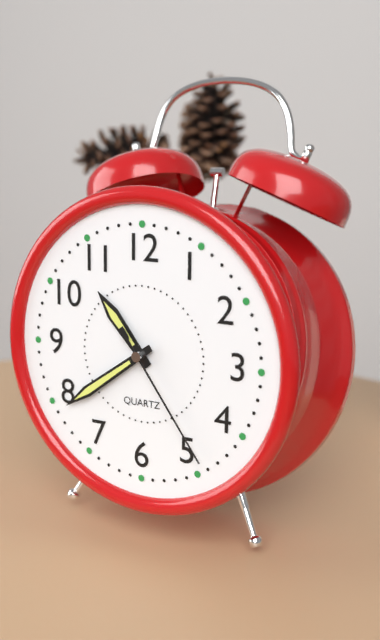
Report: 10:39:24
